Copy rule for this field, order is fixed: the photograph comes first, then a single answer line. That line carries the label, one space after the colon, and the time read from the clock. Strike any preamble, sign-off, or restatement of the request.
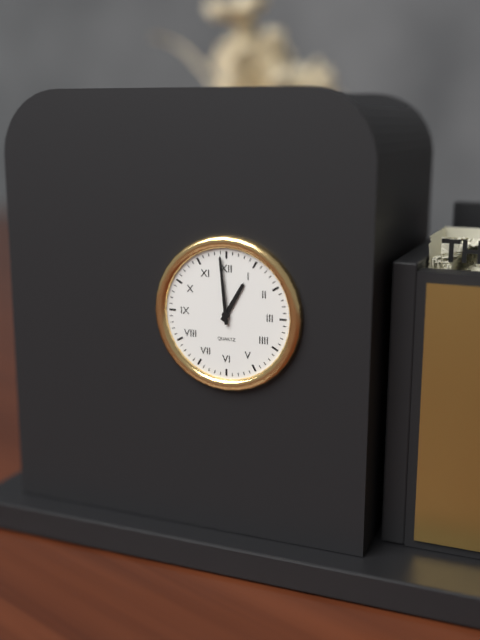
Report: 12:59
